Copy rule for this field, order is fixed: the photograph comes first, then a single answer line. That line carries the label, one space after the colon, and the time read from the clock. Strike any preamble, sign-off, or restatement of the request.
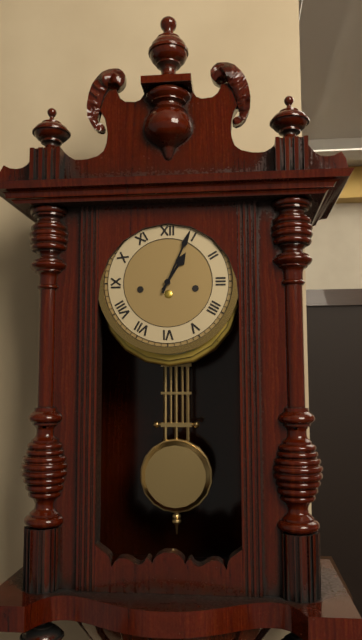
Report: 1:04
